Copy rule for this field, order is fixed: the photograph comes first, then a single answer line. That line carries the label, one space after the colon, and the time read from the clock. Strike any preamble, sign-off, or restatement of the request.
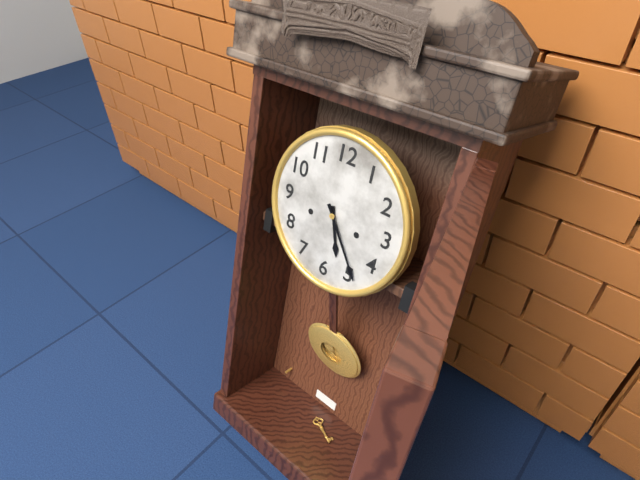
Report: 5:24
